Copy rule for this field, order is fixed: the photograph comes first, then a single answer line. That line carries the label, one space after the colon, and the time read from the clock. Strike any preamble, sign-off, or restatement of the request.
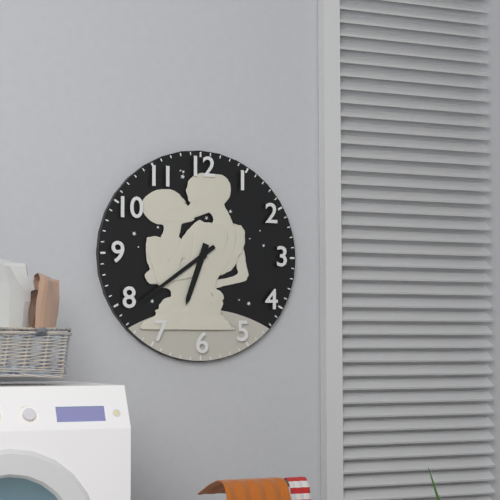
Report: 6:39
